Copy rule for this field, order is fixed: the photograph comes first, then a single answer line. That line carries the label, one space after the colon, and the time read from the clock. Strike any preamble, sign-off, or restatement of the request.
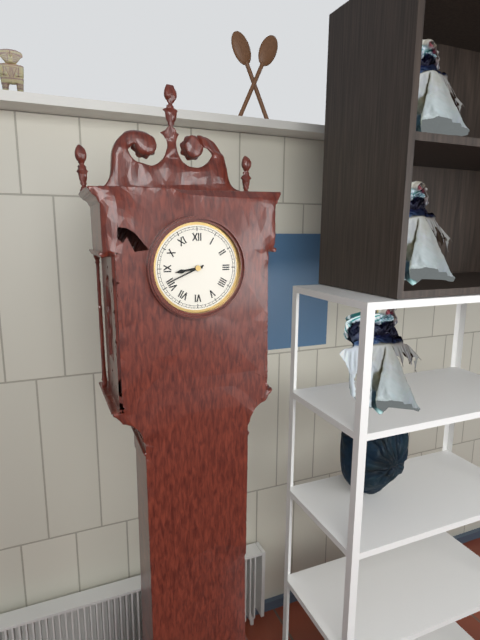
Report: 8:41
